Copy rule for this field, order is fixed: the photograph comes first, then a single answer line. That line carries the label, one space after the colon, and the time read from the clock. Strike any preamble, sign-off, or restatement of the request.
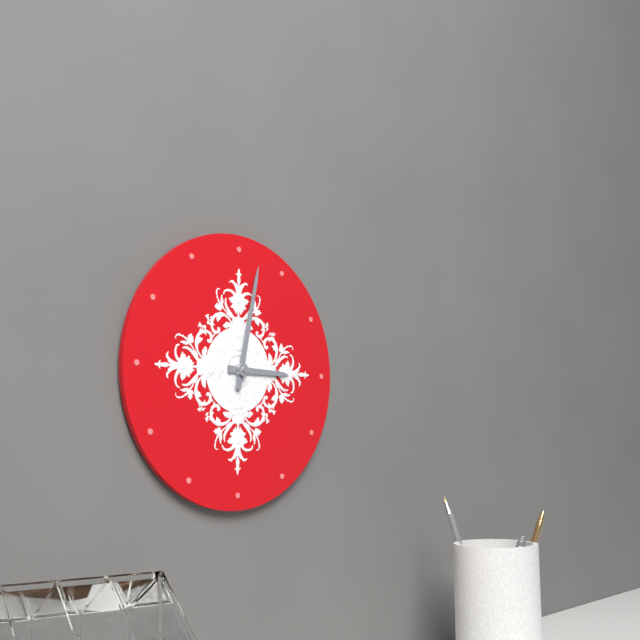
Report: 3:02
